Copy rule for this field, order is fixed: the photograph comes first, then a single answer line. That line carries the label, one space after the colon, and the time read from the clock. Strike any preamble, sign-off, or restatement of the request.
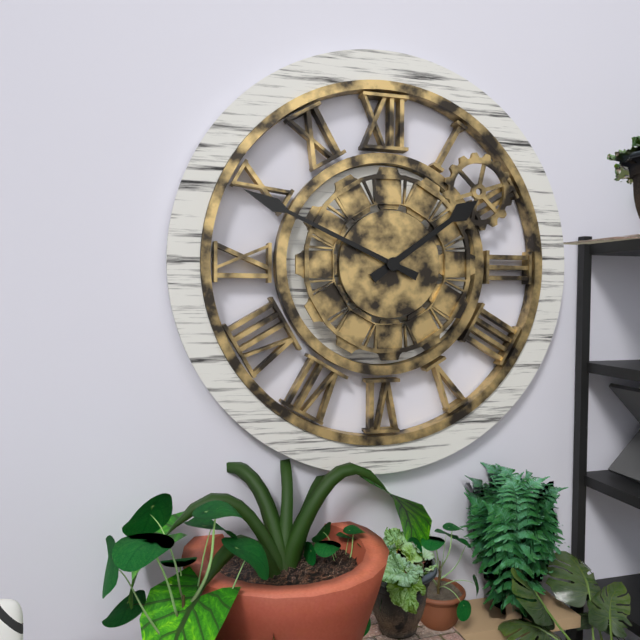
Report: 1:49
